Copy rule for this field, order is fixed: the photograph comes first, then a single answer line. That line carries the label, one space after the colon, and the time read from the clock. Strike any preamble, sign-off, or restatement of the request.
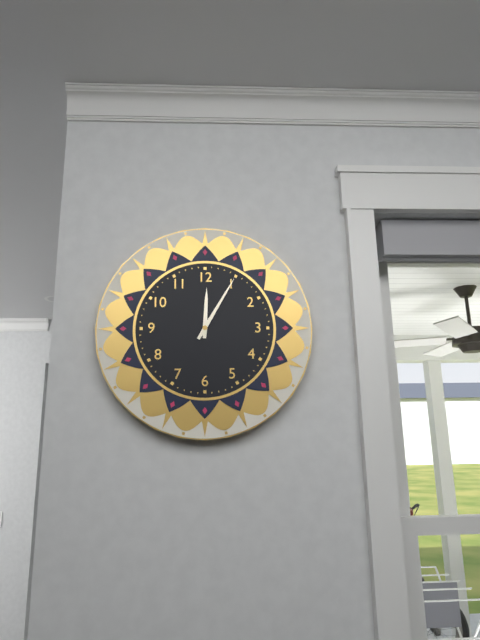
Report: 12:05
